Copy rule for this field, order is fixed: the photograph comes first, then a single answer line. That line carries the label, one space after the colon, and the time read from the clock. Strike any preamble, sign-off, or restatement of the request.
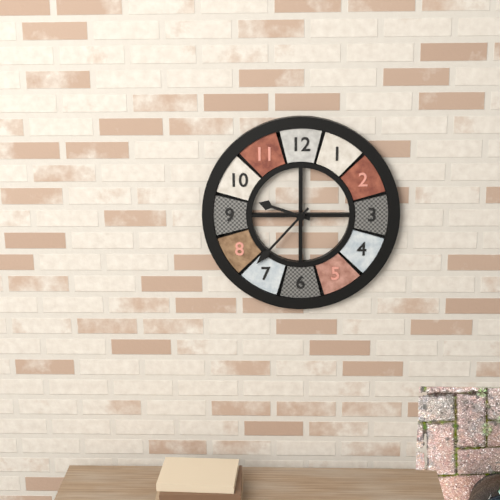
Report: 9:37
